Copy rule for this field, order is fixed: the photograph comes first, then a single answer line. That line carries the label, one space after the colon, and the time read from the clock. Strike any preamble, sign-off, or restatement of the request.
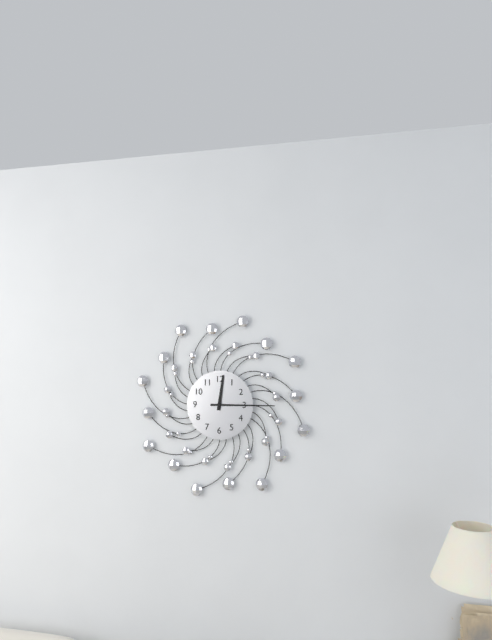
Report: 12:15
